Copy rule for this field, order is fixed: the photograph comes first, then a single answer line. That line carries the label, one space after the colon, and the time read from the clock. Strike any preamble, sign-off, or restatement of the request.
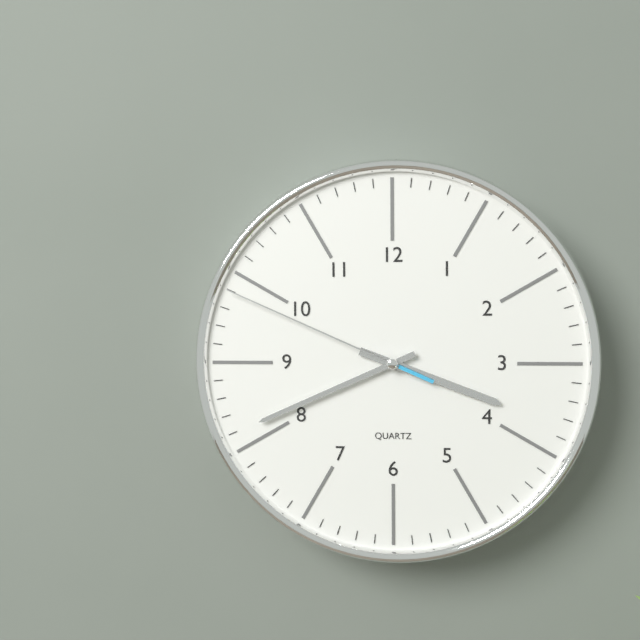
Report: 3:41:49
